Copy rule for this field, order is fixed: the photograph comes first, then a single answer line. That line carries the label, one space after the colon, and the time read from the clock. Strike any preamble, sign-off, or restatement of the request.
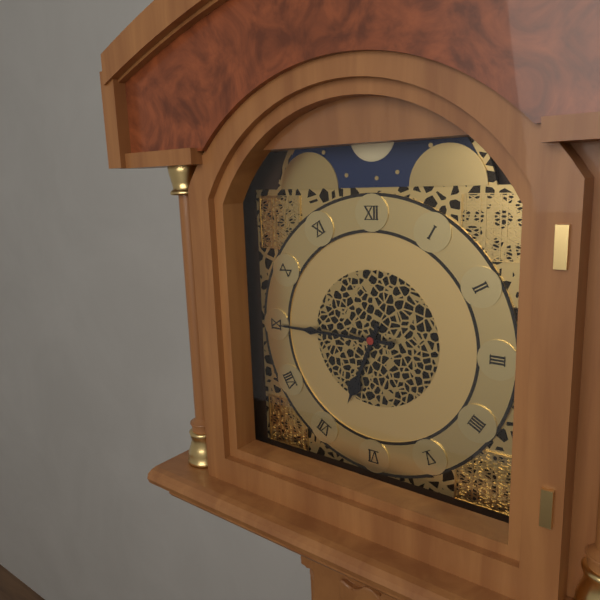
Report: 6:45
